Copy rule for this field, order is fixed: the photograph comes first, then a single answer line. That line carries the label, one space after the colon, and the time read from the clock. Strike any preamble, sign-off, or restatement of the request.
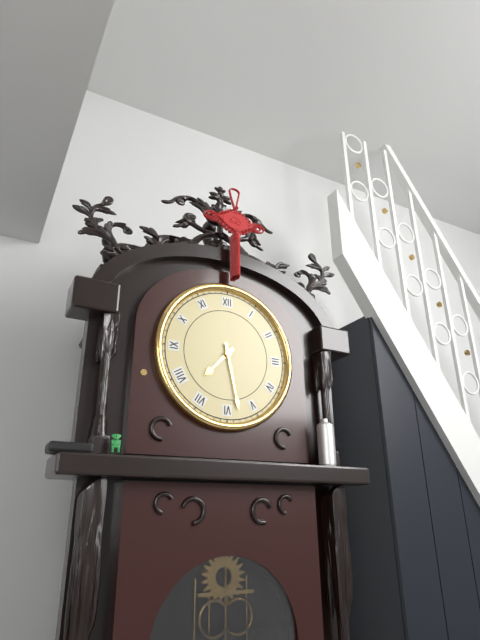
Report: 7:28
